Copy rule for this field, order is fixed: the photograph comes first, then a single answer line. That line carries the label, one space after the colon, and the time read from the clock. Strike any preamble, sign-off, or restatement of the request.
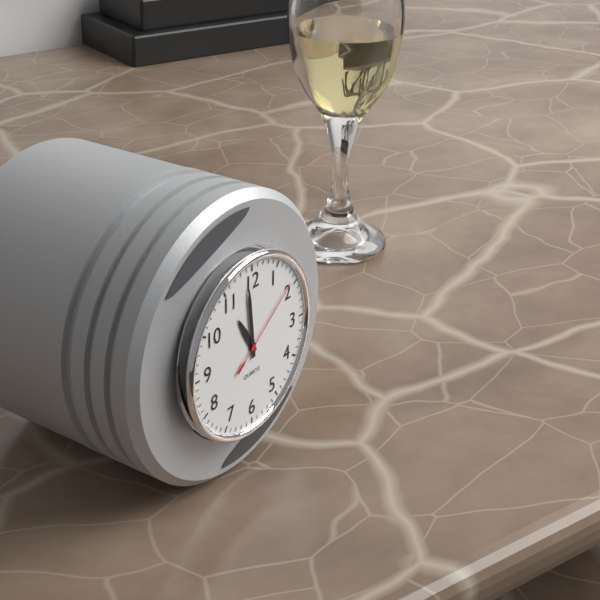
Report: 10:59:09
